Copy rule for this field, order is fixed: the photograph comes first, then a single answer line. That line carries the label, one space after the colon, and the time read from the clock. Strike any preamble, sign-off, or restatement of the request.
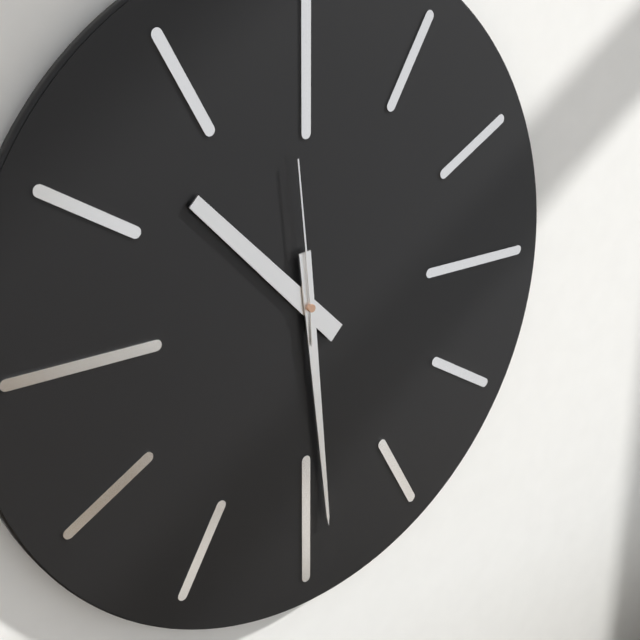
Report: 10:29:59
